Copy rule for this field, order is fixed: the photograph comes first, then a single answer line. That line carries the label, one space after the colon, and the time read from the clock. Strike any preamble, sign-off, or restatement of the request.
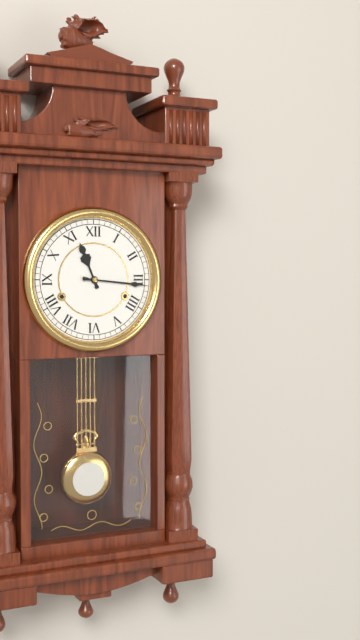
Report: 11:16
